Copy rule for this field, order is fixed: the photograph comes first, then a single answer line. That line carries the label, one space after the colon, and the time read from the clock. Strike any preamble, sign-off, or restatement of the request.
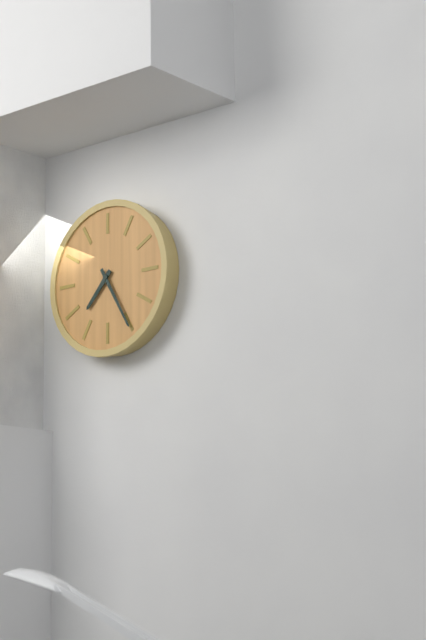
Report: 7:25
